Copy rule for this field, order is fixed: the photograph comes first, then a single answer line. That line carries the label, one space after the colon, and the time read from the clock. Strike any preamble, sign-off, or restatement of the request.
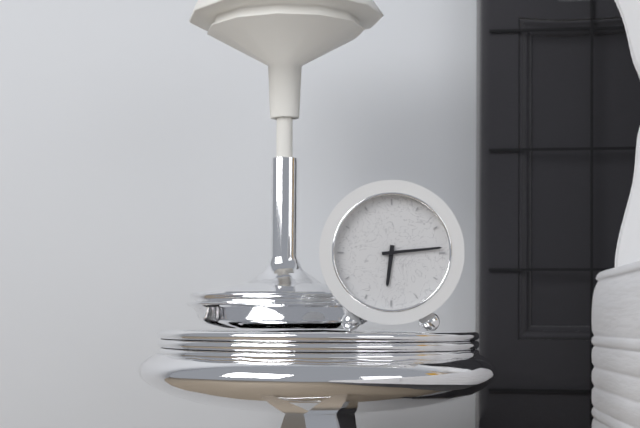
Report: 6:14
